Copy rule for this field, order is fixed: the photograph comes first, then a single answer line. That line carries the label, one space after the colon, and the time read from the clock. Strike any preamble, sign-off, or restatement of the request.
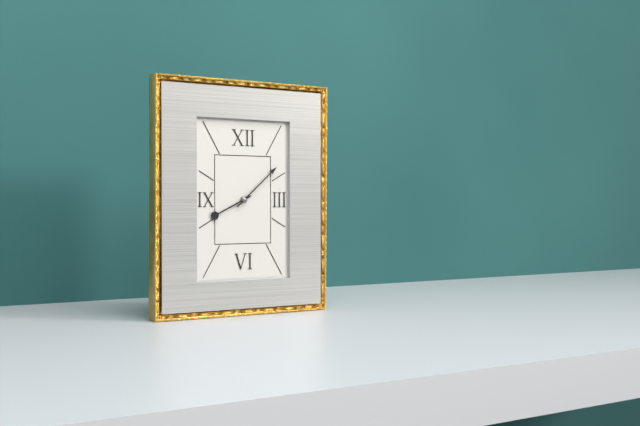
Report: 8:08
